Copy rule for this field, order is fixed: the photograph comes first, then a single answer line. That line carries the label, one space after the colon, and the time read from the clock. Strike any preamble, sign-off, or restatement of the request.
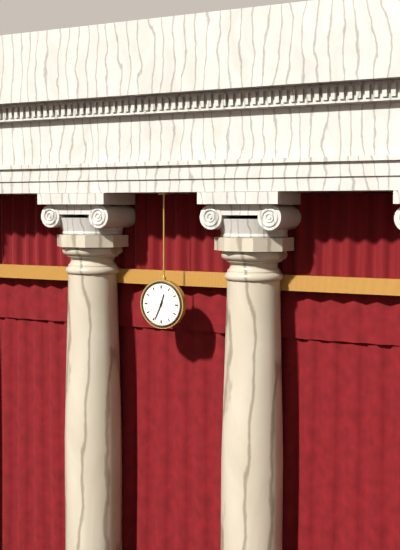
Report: 12:34
